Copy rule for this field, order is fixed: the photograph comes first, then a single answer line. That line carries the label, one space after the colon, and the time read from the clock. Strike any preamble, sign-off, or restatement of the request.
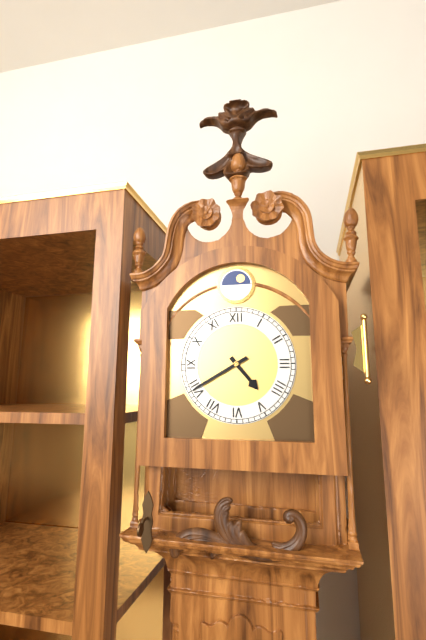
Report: 4:40
